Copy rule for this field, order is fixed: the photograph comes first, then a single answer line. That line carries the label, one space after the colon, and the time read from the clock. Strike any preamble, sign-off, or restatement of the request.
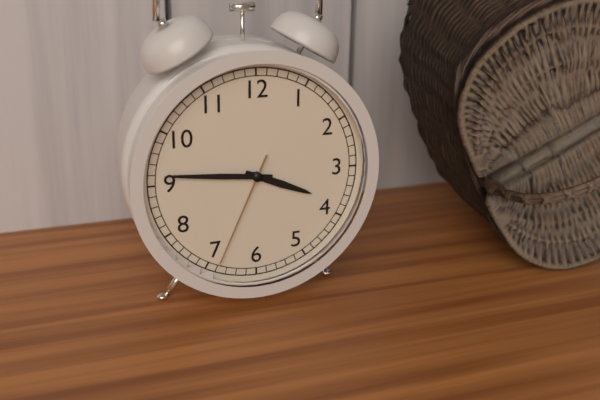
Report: 3:46:34
